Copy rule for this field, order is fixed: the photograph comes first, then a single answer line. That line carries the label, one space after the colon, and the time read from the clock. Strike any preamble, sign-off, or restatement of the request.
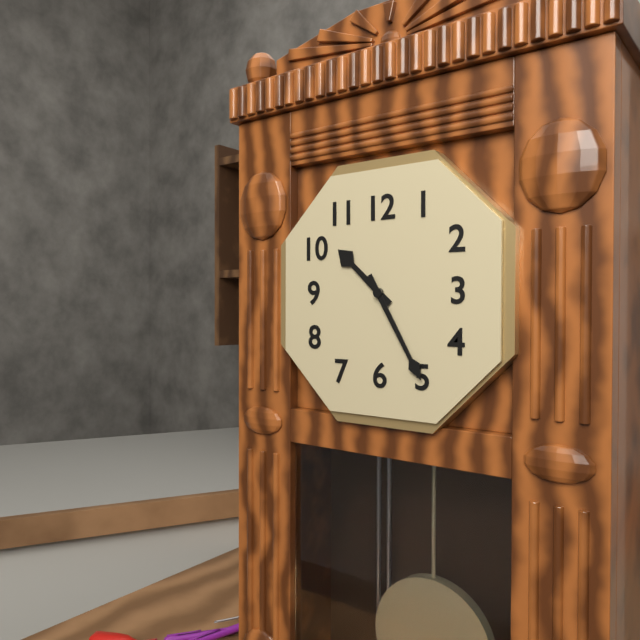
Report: 10:25
